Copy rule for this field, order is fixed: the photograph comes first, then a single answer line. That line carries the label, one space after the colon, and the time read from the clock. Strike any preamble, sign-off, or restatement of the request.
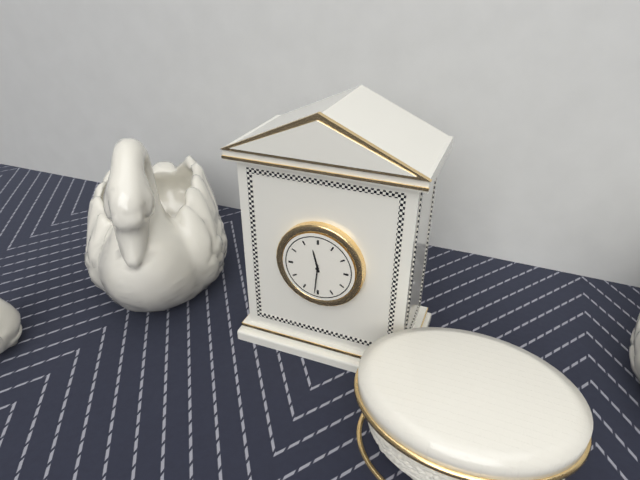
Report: 11:31
